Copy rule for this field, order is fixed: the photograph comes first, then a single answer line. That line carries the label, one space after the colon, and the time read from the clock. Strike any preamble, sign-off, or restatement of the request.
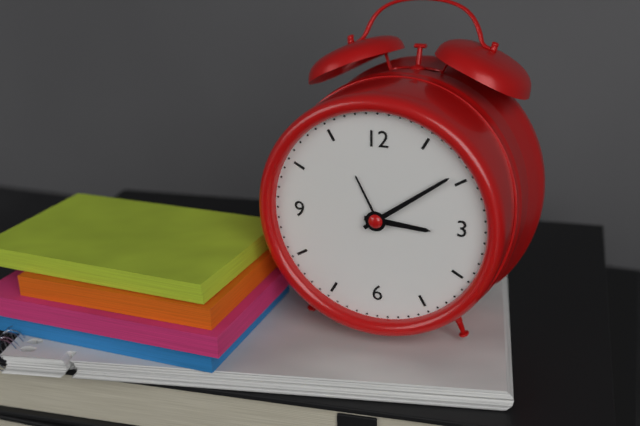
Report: 3:09
